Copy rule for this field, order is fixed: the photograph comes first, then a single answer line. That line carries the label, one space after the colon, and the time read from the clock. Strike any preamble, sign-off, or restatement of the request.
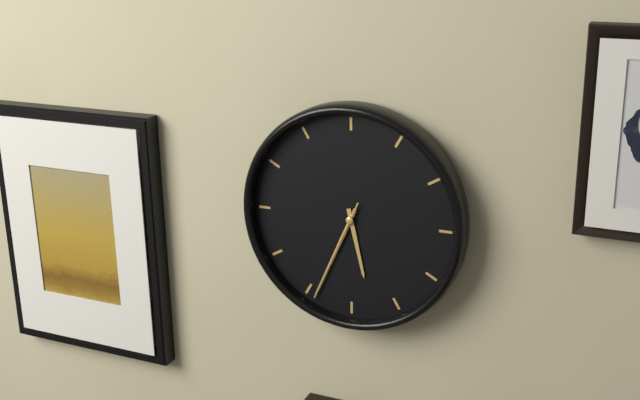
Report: 5:34:34
